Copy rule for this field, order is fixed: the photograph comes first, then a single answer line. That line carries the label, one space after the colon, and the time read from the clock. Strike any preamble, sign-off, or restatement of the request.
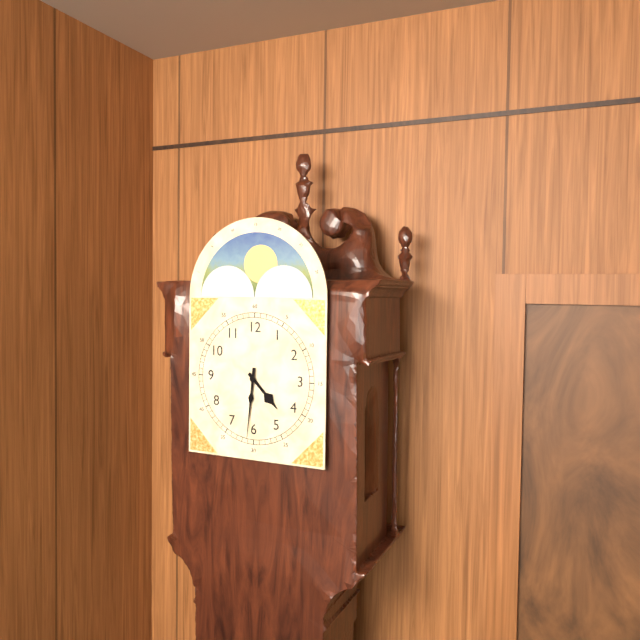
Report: 4:31
